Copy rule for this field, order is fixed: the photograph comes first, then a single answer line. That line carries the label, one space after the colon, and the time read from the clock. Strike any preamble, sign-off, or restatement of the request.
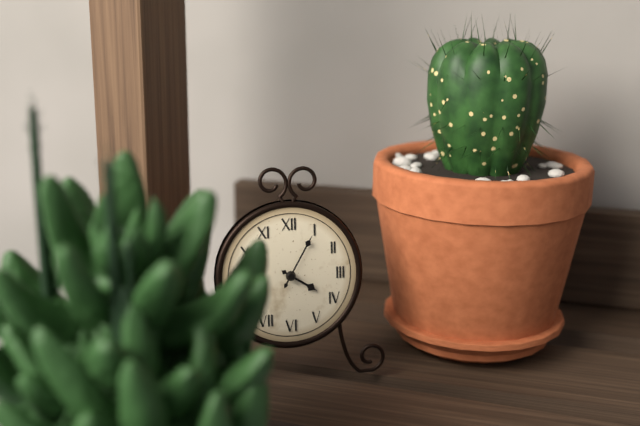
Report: 4:05
